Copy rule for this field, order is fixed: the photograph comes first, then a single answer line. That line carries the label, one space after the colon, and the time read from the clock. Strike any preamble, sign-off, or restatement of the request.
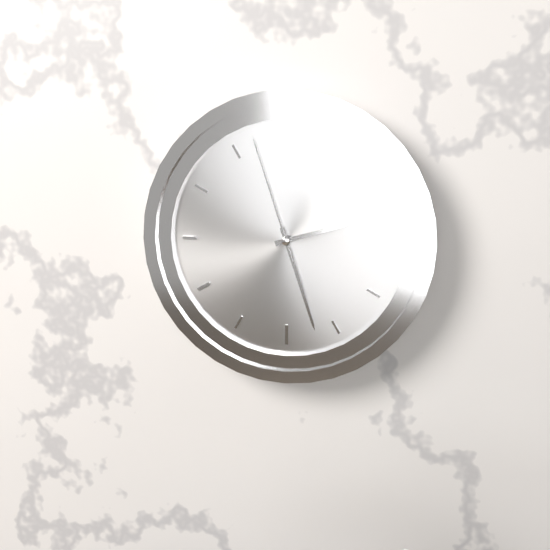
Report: 2:27:57
